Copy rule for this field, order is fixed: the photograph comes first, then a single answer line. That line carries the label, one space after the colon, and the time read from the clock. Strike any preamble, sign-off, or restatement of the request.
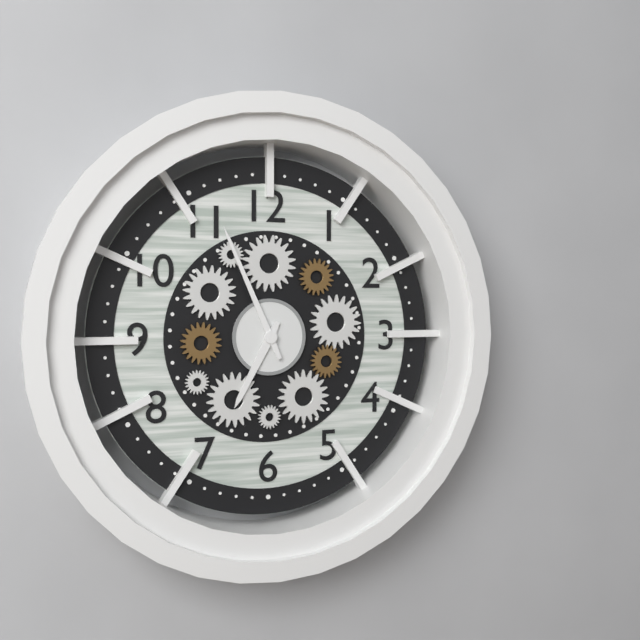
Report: 6:56
